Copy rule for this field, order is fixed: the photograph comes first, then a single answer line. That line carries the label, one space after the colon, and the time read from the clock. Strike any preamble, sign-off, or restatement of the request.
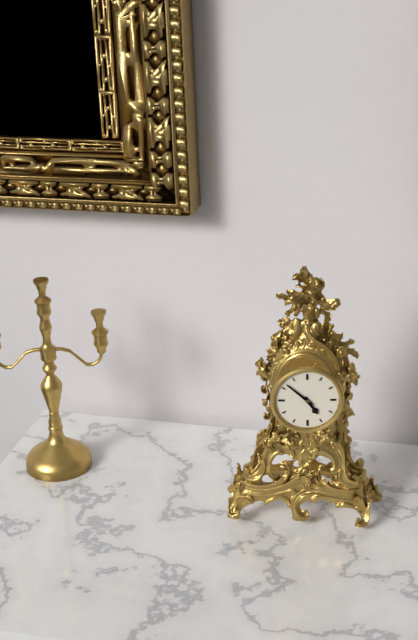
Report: 4:52
